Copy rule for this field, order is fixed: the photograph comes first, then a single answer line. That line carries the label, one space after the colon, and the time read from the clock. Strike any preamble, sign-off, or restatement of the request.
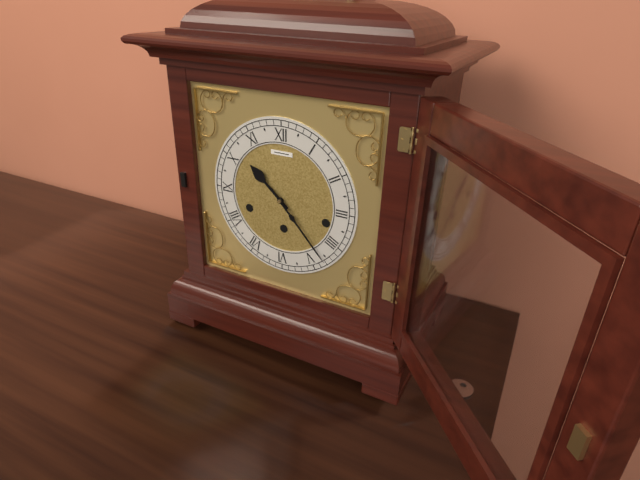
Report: 10:23
